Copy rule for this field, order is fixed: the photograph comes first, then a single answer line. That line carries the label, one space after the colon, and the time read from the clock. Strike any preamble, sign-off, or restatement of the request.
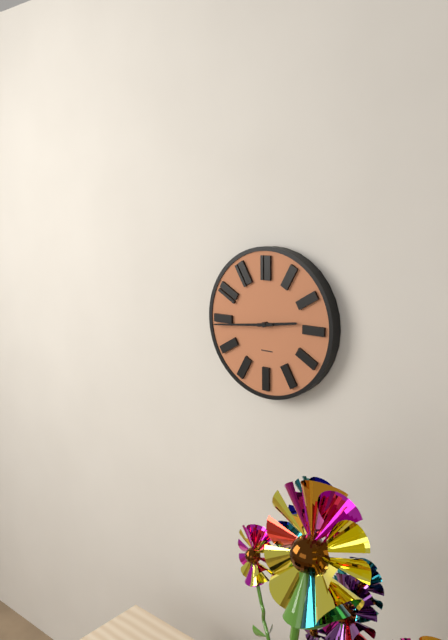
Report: 2:44
